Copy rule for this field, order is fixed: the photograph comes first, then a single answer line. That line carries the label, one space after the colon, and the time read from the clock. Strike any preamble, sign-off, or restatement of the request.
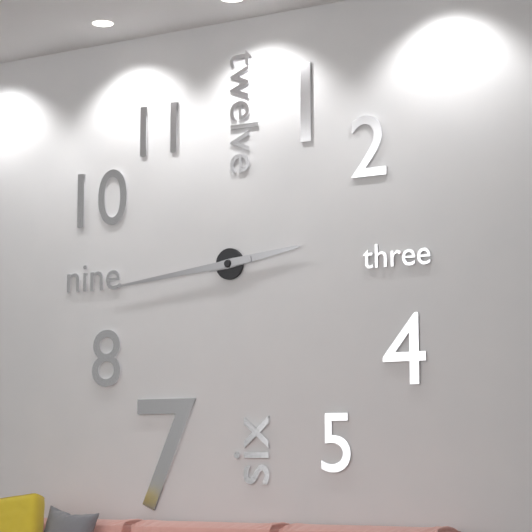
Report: 2:44
